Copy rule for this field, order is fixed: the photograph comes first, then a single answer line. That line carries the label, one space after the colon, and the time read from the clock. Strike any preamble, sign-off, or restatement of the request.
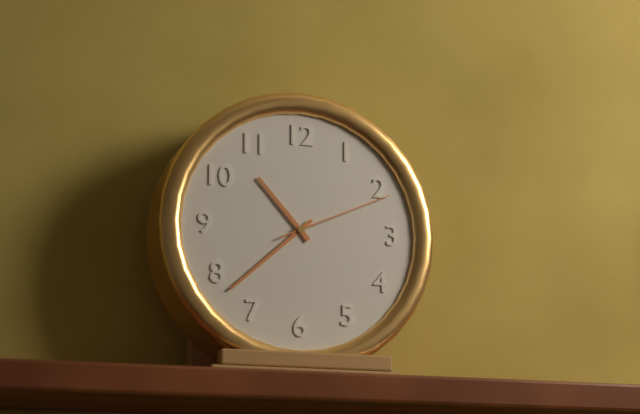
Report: 10:38:11
